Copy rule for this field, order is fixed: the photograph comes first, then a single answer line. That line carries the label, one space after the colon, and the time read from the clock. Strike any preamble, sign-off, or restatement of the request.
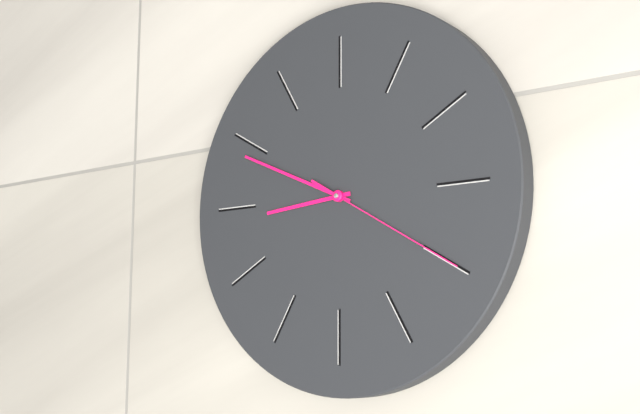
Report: 8:49:20
